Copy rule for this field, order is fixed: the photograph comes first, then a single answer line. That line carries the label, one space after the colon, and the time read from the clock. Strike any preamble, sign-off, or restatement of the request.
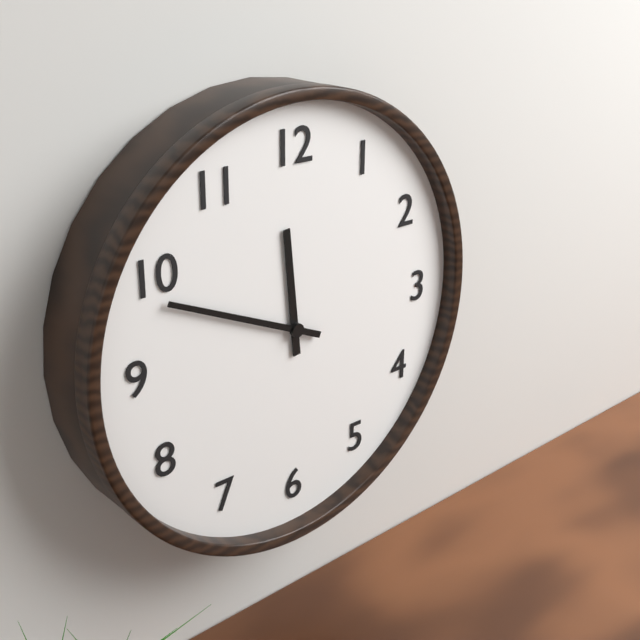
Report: 11:49
